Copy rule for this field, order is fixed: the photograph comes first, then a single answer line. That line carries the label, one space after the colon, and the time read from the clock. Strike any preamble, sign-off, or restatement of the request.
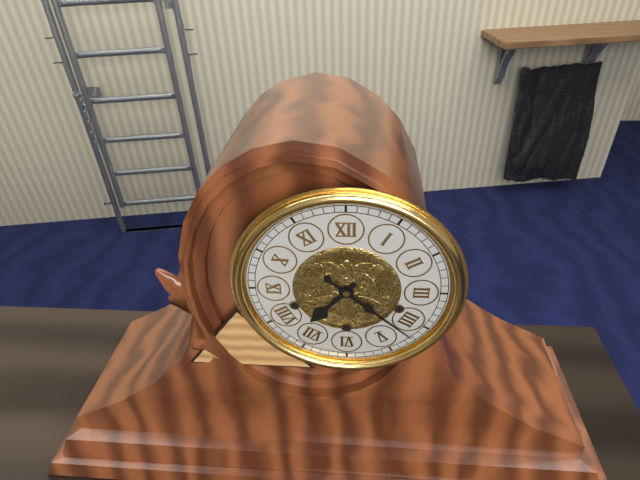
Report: 7:22
